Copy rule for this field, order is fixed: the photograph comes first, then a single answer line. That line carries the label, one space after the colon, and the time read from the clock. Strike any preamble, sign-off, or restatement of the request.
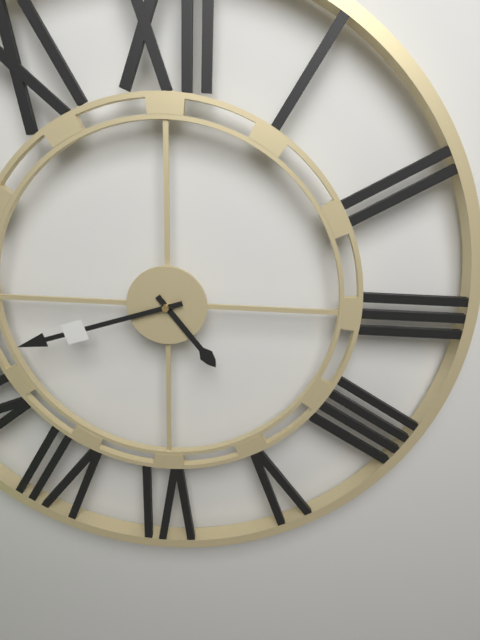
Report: 4:42
